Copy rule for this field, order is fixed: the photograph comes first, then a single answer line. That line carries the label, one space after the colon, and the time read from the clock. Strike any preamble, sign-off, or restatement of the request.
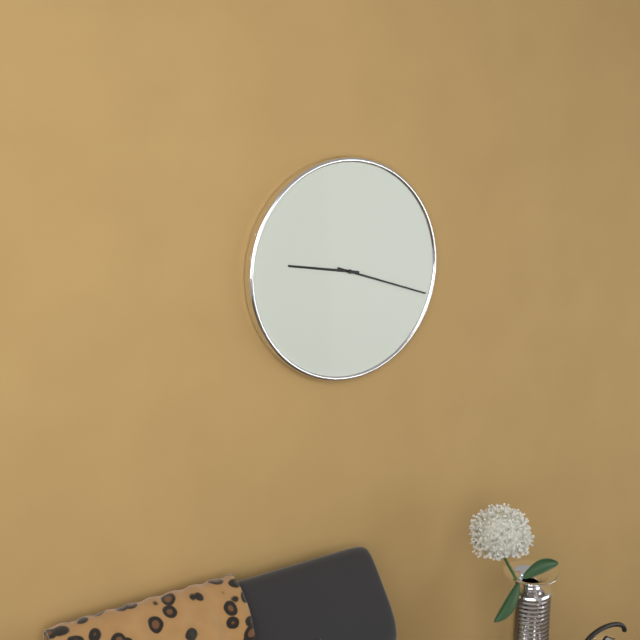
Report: 9:18
